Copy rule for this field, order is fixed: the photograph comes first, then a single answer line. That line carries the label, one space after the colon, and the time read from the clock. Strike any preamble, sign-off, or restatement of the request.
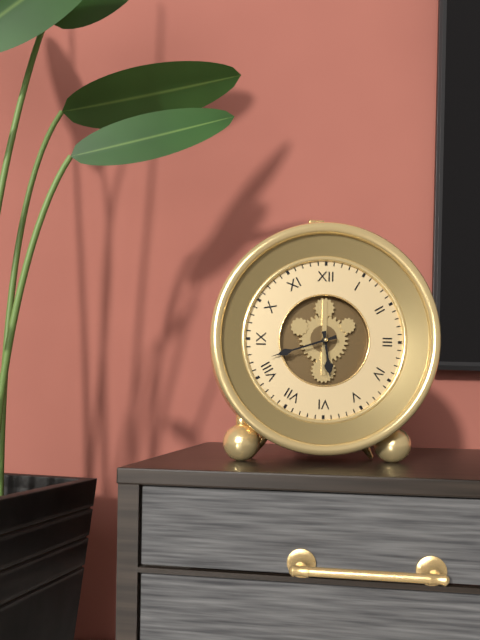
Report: 5:42
